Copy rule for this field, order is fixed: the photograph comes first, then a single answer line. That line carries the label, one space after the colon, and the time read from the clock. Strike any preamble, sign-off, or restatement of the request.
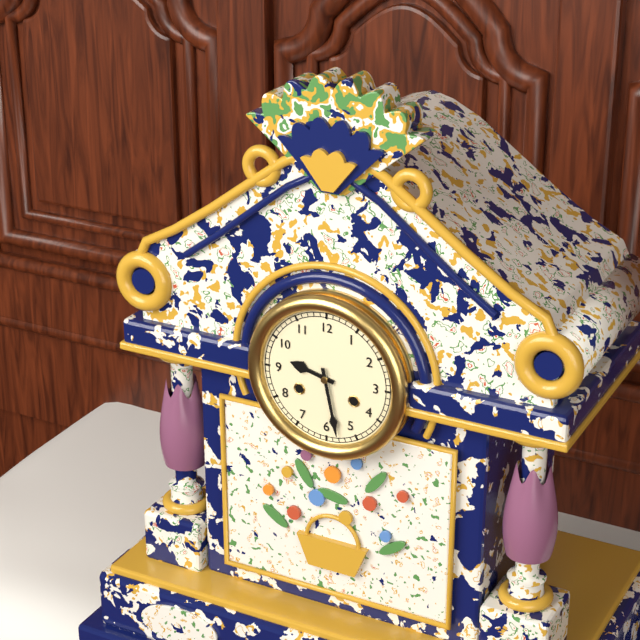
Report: 9:28
